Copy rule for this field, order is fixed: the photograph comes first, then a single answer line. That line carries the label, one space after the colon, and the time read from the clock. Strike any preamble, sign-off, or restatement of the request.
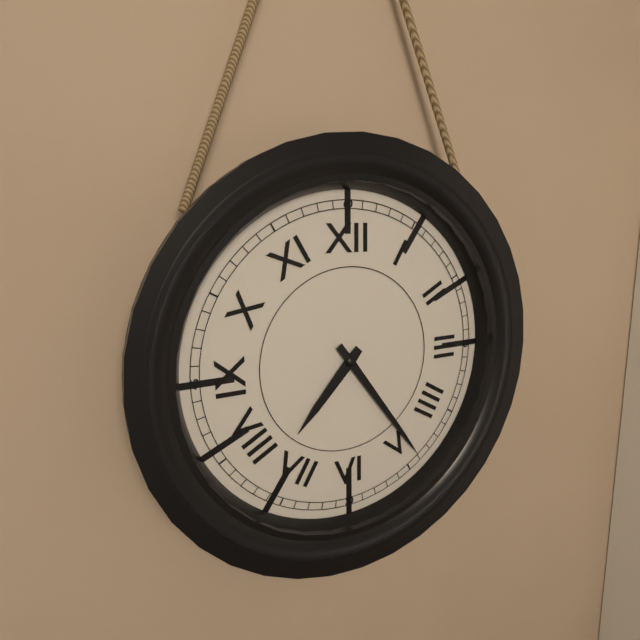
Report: 7:24
